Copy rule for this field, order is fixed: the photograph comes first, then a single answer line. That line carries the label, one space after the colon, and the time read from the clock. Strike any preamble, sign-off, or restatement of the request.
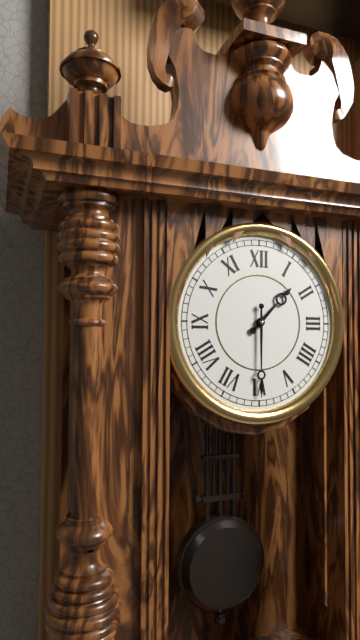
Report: 1:30
